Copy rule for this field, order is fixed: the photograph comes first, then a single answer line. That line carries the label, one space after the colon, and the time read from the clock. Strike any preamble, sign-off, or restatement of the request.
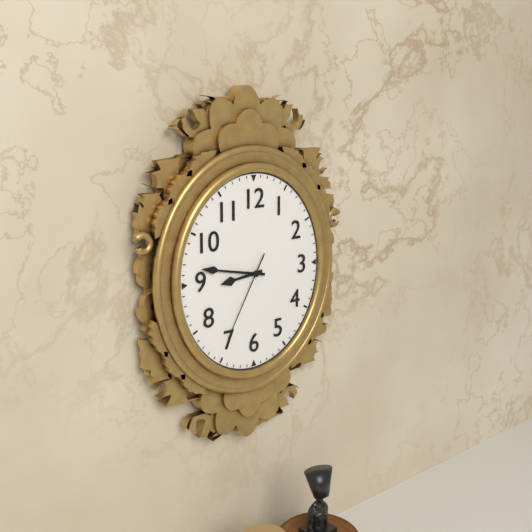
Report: 8:47:35
